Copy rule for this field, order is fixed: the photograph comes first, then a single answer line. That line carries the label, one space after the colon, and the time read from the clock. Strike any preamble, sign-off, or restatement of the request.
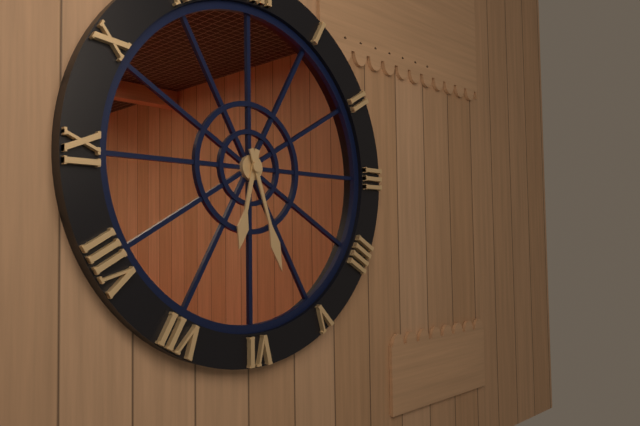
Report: 6:27
